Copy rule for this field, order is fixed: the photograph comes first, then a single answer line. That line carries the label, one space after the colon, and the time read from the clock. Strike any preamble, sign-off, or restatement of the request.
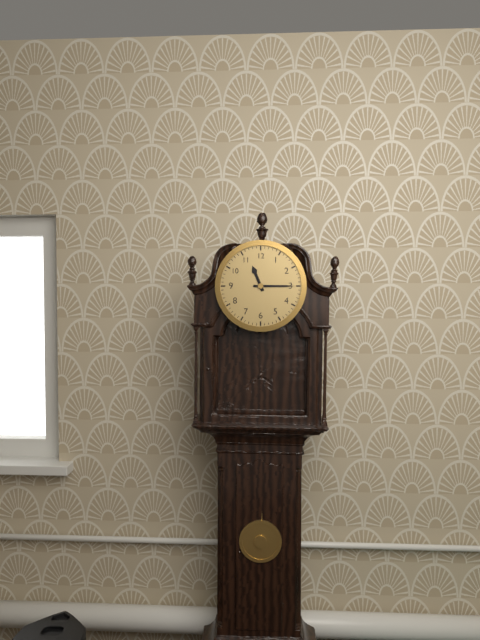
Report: 11:15
